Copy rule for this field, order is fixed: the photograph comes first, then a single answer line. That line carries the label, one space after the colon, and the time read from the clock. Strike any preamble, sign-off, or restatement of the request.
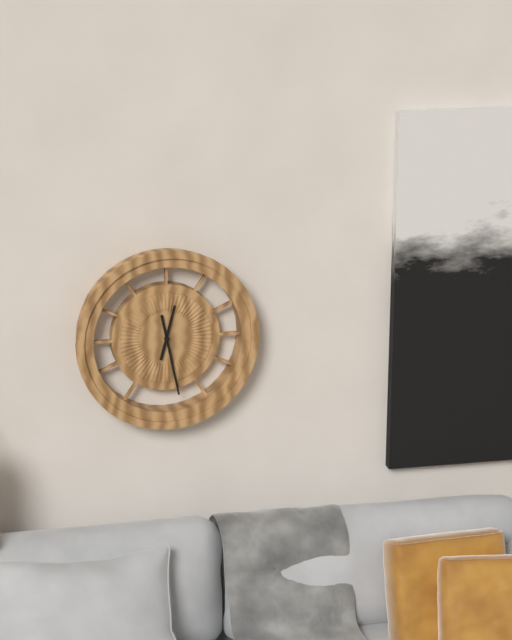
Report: 12:28
